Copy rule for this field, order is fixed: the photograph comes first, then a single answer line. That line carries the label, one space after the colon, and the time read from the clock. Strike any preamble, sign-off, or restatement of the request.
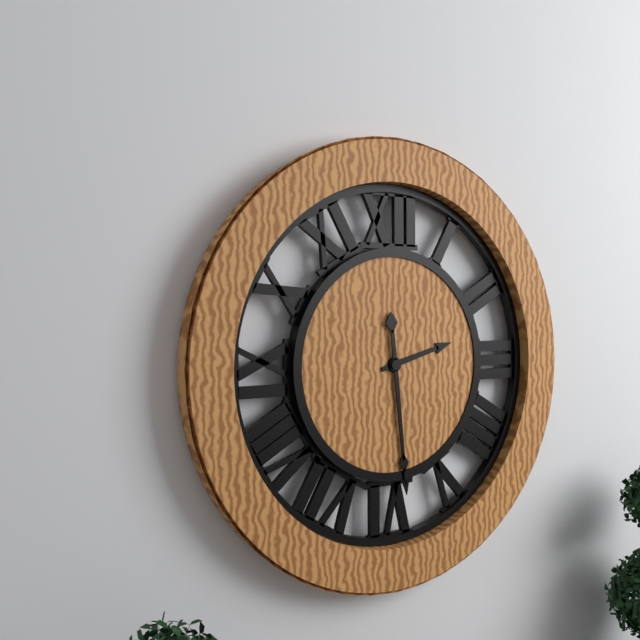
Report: 2:29
